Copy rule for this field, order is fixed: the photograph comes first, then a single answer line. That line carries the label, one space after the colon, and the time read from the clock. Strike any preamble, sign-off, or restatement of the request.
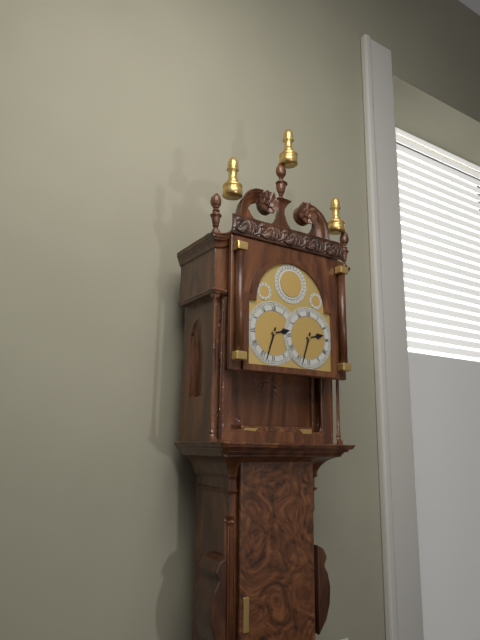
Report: 2:33
